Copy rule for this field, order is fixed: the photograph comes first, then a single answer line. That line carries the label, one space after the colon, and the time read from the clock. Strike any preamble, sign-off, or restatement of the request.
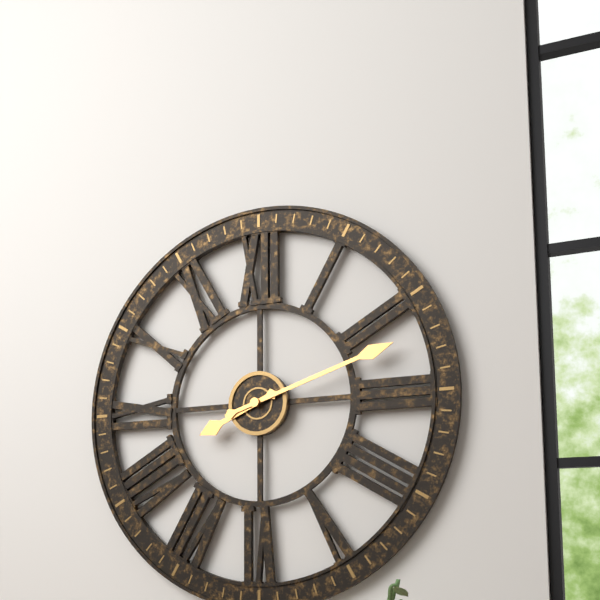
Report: 8:12
